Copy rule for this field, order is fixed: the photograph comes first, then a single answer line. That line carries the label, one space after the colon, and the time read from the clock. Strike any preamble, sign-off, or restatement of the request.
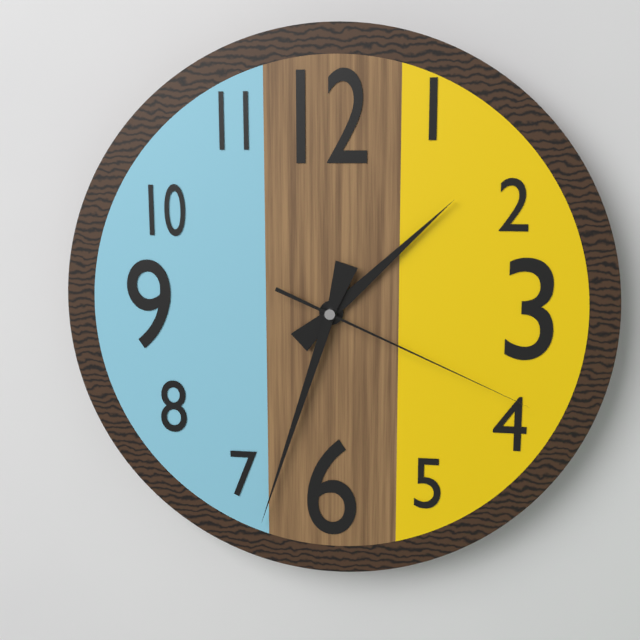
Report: 1:33:19
